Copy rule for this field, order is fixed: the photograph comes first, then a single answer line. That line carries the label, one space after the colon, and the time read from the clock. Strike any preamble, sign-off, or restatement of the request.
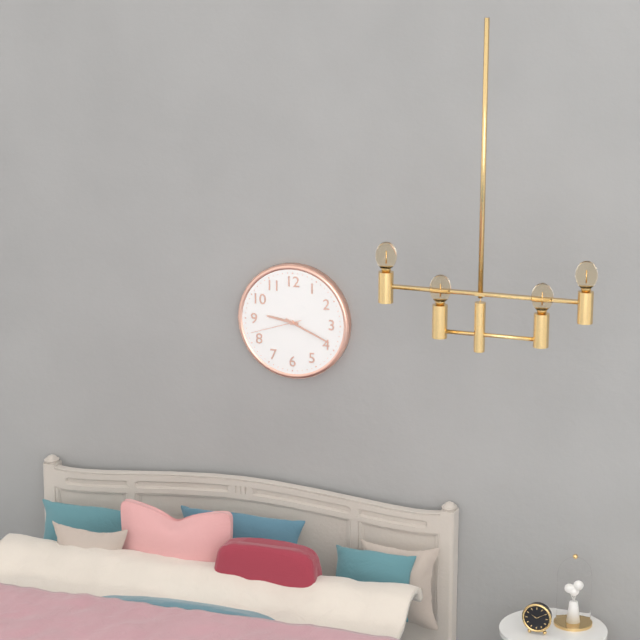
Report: 9:19:42
